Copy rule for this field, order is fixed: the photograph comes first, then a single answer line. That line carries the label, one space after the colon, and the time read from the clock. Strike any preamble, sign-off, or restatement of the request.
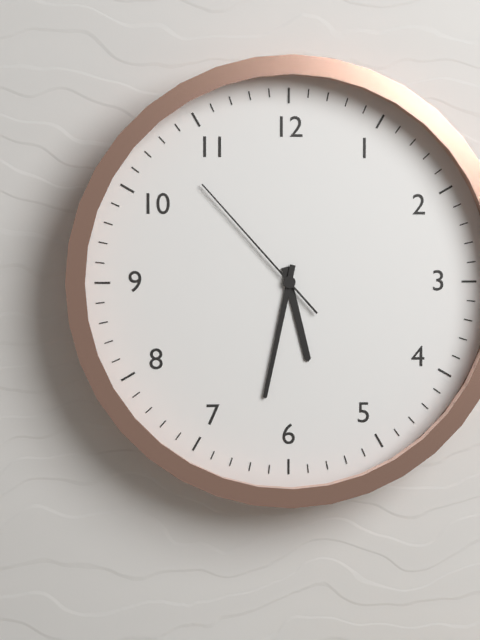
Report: 5:32:53
